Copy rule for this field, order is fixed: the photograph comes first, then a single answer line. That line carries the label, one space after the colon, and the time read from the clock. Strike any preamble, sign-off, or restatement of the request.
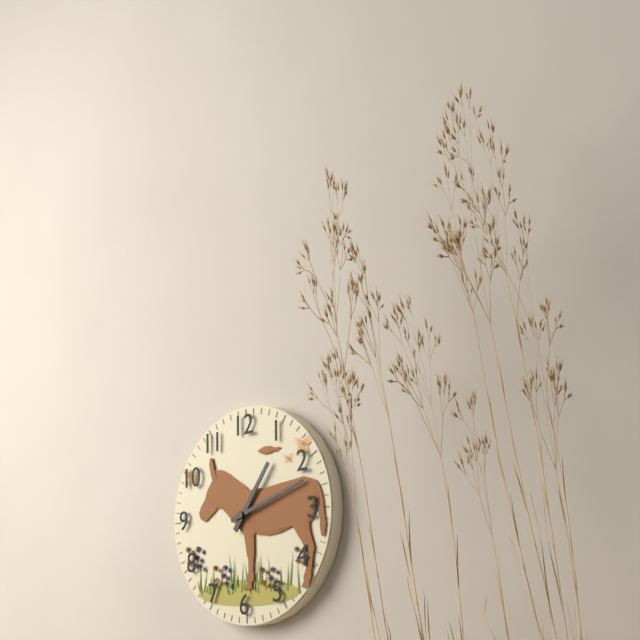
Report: 1:12
